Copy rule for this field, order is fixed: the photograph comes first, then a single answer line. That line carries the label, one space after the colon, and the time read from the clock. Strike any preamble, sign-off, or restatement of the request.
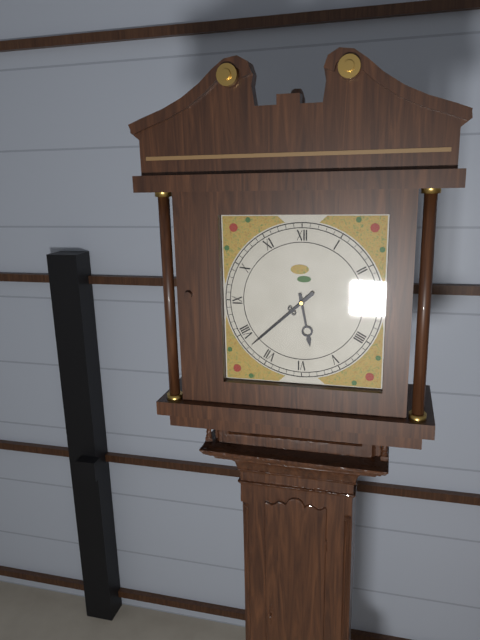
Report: 5:38
